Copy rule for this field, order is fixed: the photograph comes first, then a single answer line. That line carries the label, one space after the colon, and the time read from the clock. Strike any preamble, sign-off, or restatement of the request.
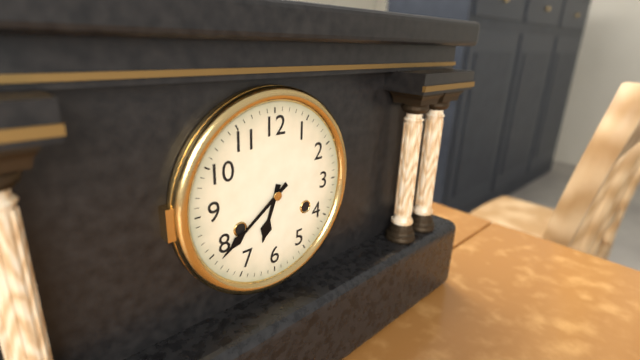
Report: 6:39
